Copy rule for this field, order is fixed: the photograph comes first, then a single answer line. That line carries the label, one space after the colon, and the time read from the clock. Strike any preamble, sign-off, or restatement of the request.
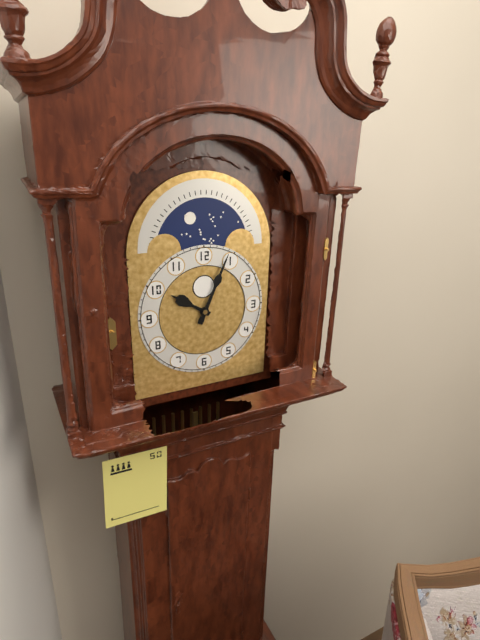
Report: 10:04
